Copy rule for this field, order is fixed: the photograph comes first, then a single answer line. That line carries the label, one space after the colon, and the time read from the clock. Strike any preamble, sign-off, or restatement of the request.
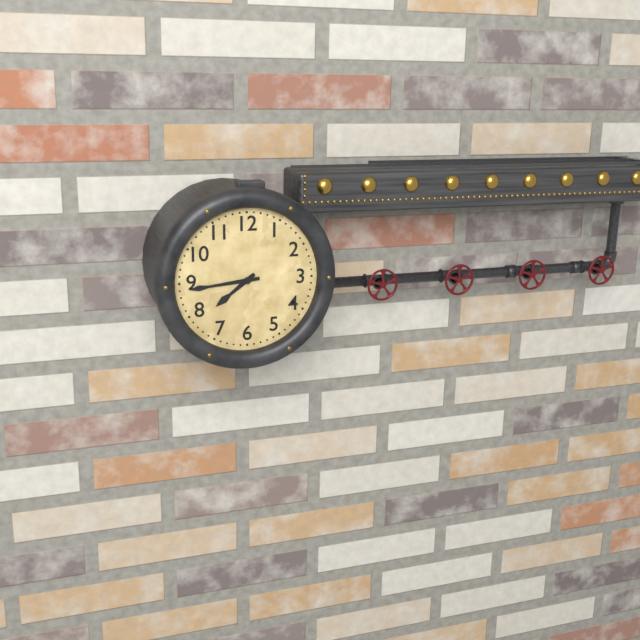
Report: 7:44
